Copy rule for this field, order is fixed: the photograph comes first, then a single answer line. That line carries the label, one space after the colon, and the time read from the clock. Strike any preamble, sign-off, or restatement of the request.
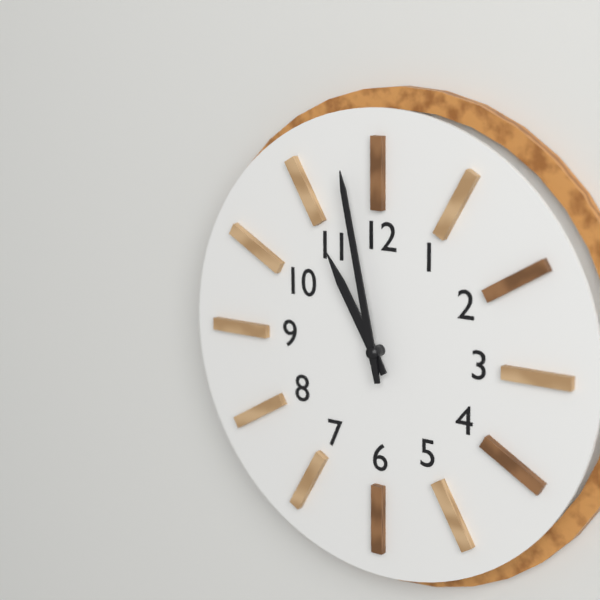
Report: 10:58
